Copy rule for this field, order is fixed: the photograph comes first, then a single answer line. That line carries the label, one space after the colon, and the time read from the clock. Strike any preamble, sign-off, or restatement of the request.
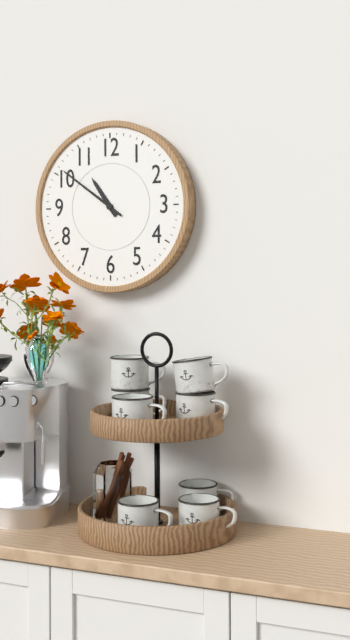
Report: 10:51
